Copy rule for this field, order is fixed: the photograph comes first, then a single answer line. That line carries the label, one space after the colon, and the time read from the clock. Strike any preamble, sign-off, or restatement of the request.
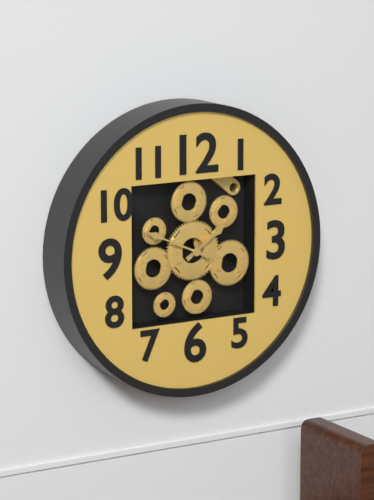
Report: 1:49
